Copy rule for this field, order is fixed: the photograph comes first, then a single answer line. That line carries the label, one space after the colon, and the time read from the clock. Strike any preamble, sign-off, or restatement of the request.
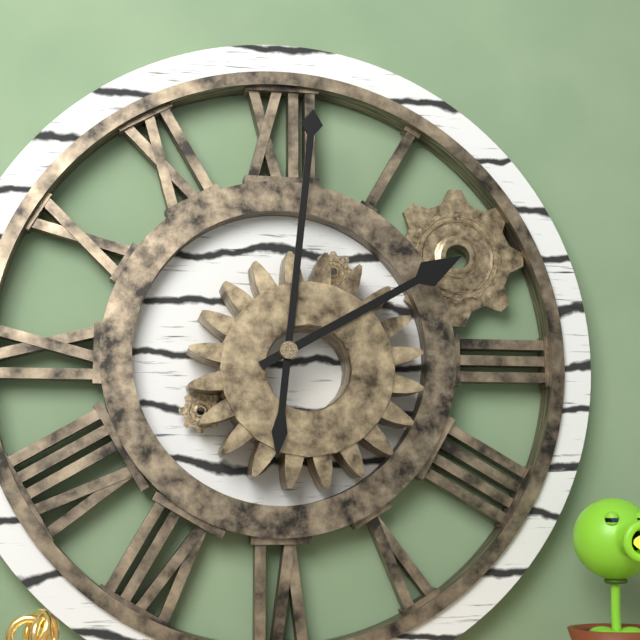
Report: 2:01
